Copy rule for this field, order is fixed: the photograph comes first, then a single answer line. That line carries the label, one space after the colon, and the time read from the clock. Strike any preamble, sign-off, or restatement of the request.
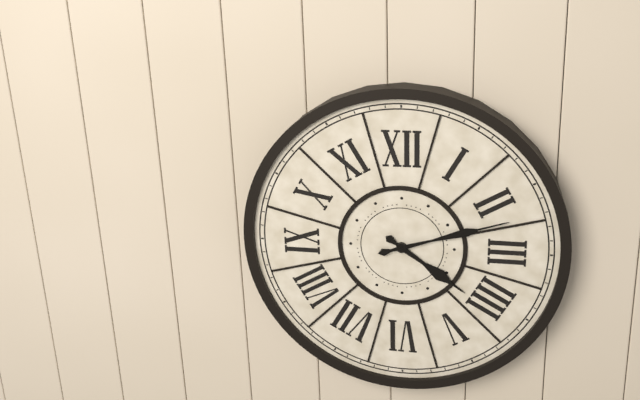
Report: 4:12
